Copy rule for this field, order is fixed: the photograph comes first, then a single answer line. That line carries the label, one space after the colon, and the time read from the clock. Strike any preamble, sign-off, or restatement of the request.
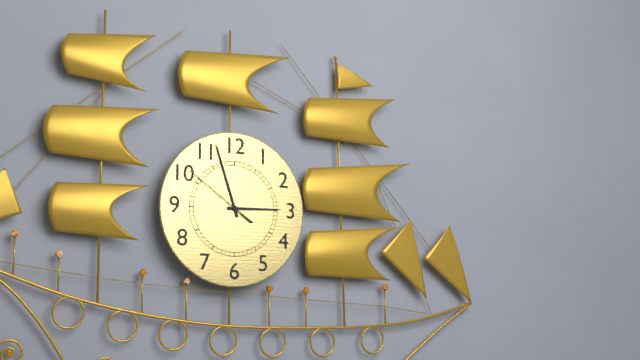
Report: 2:57:51
